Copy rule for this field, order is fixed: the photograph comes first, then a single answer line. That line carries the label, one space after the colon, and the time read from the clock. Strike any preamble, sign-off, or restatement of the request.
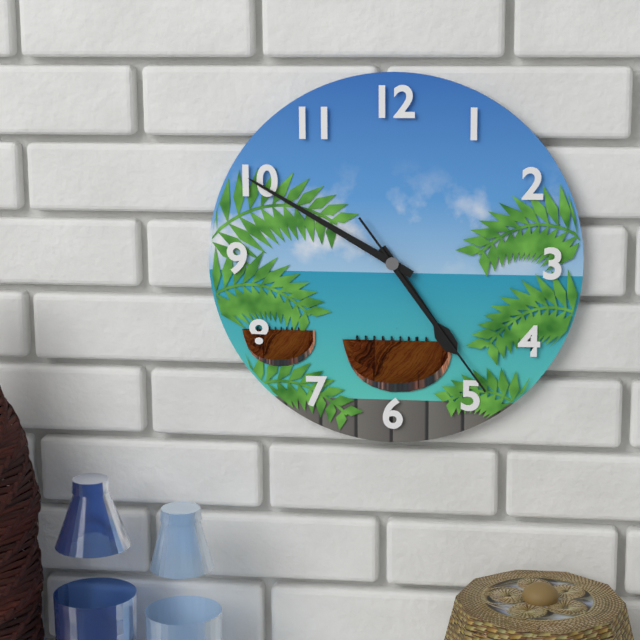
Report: 4:50:24
